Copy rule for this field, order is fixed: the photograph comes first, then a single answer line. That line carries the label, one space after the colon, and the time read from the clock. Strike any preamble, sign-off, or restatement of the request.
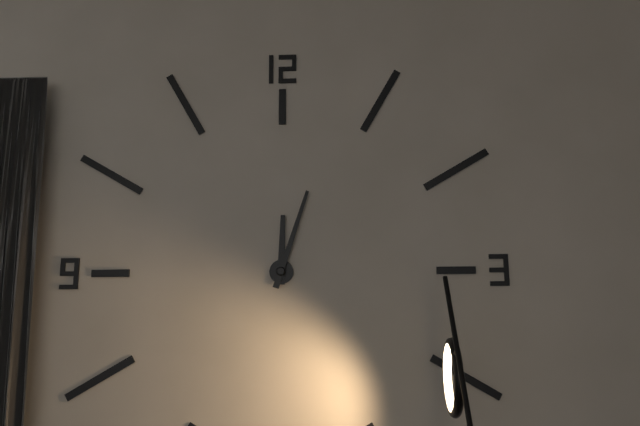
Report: 12:03
